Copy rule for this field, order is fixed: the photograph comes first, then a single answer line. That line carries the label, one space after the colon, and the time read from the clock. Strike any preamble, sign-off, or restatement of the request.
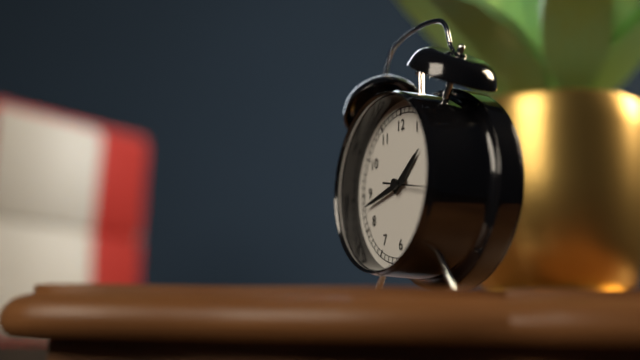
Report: 1:43:17
